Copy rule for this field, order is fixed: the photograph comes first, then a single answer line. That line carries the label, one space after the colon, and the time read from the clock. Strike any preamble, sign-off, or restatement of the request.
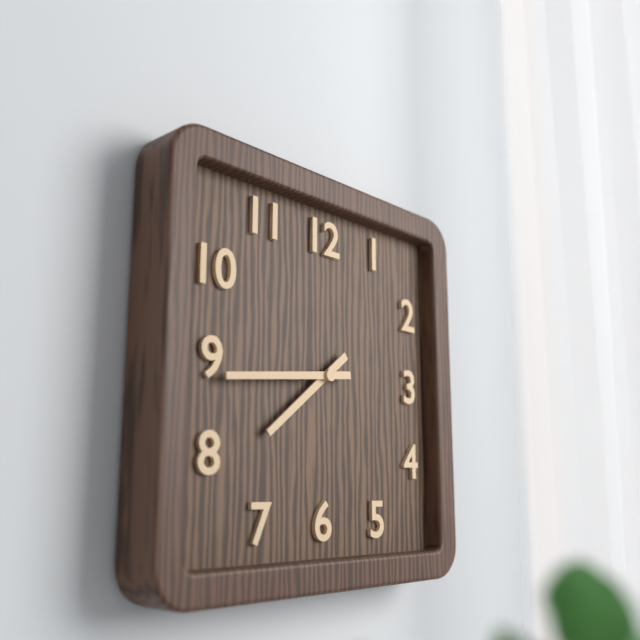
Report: 7:44
